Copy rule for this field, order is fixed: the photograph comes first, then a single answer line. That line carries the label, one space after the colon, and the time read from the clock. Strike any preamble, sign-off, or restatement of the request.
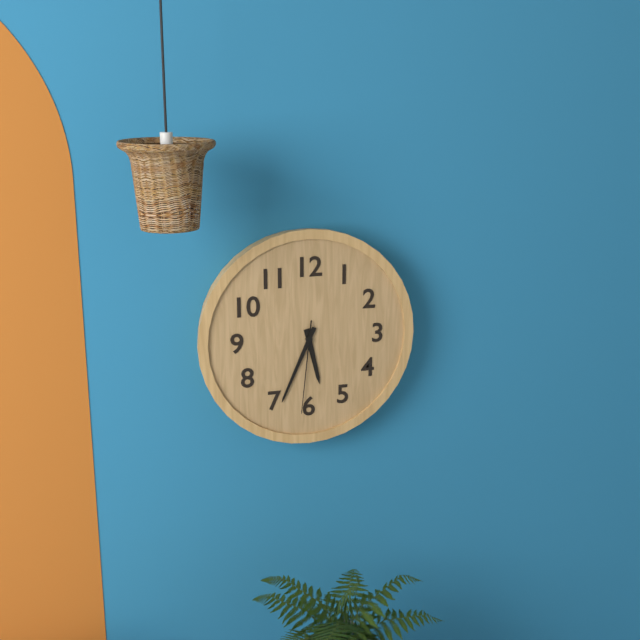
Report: 5:34:31
